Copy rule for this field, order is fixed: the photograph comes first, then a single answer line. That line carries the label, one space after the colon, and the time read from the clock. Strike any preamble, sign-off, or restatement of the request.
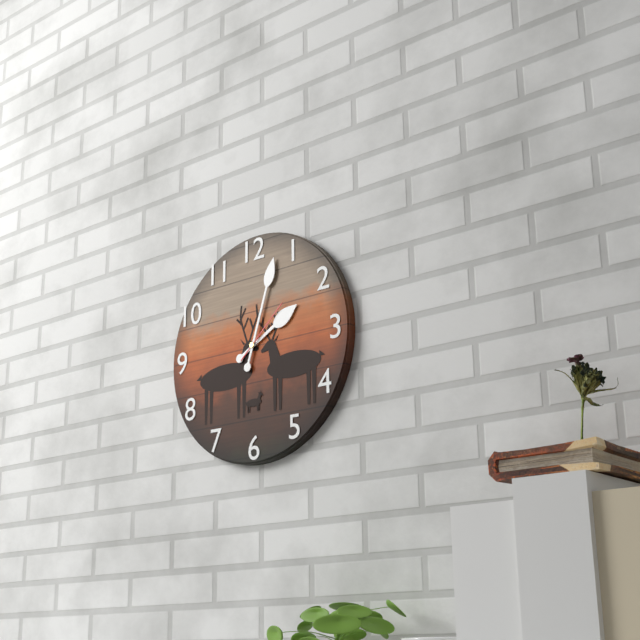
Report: 2:03:08
